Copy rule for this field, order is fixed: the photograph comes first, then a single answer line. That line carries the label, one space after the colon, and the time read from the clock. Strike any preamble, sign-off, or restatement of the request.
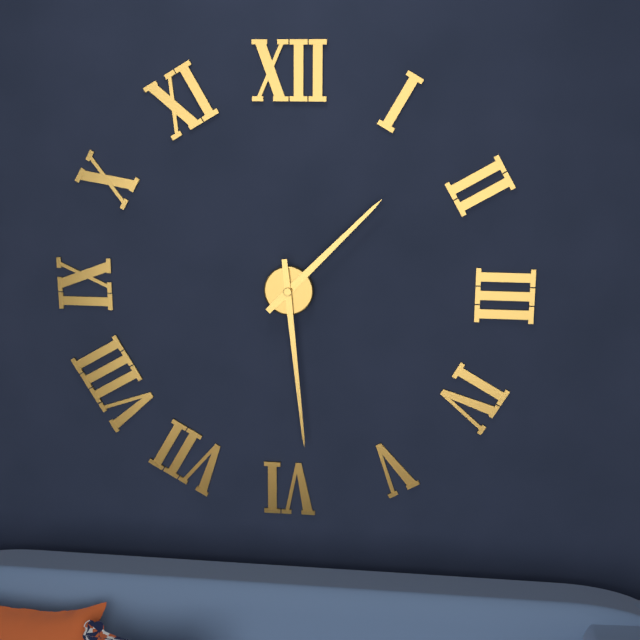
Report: 1:29
